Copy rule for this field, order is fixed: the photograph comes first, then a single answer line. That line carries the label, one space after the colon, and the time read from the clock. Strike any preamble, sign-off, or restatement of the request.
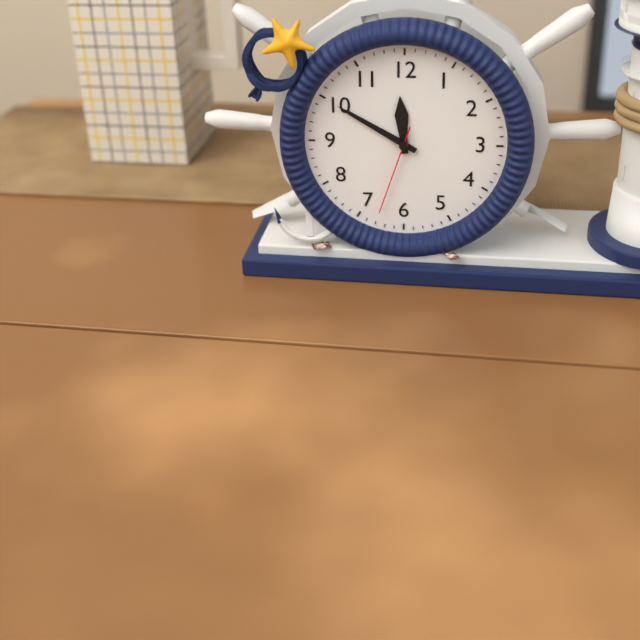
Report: 11:50:33
